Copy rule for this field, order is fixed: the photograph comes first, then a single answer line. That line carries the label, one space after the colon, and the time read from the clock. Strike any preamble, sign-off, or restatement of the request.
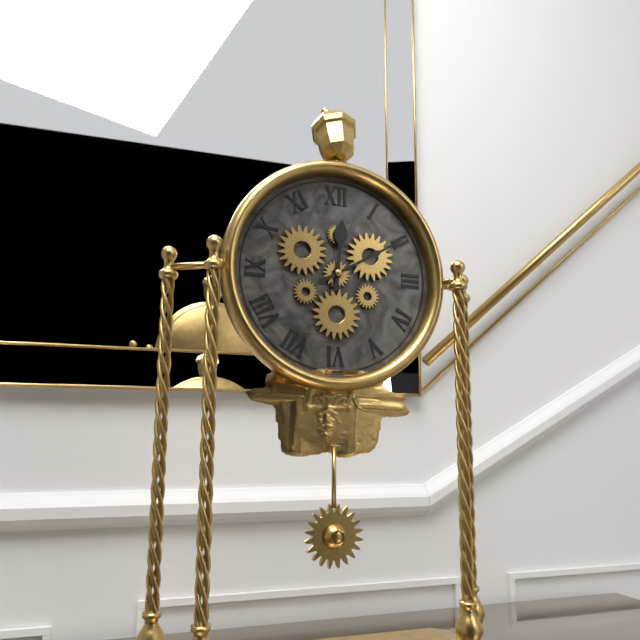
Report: 12:10
